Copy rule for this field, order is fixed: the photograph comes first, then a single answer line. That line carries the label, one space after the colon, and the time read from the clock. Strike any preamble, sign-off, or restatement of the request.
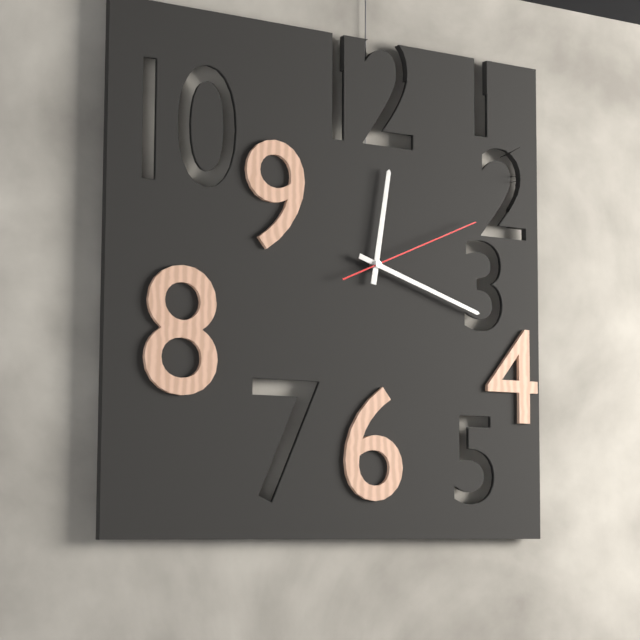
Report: 12:18:11
